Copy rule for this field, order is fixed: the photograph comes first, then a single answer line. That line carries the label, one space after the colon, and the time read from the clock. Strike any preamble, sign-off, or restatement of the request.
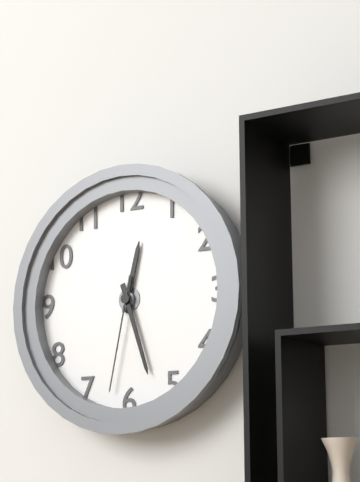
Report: 12:27:32
